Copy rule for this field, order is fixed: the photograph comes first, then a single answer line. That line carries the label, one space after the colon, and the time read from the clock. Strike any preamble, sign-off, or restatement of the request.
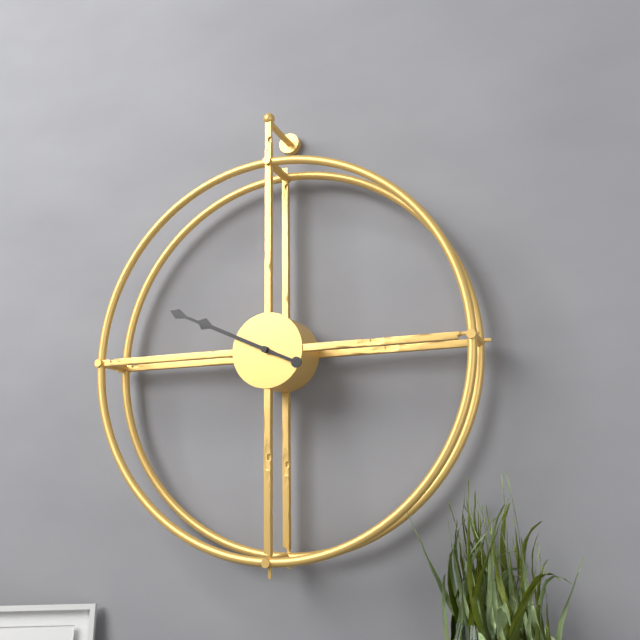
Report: 9:49
